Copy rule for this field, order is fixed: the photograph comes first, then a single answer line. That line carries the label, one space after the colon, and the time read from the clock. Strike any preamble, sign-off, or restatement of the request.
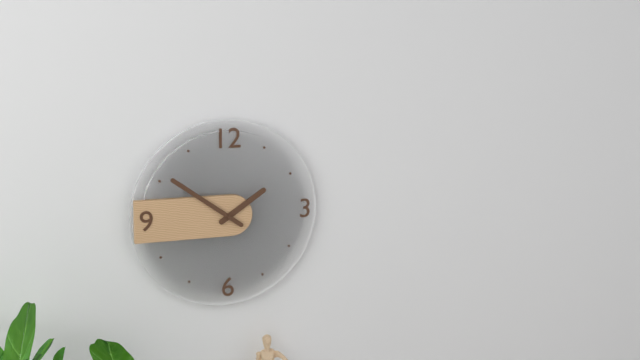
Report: 1:51
